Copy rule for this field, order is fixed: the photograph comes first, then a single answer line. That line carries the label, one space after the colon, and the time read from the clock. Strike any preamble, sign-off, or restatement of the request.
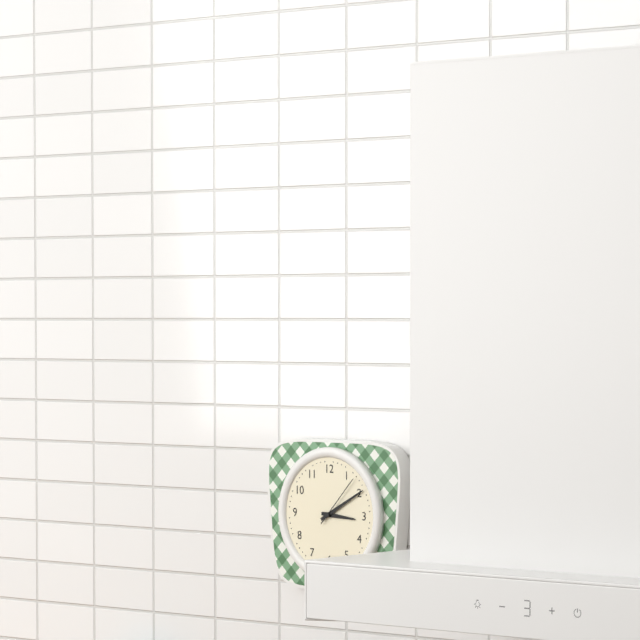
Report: 3:10
